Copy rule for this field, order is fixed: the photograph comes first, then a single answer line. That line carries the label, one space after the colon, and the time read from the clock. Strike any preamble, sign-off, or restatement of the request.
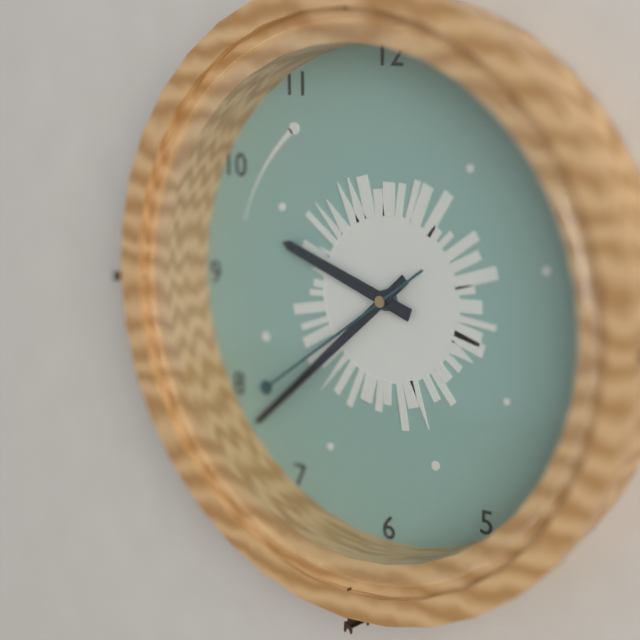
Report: 9:38:39
